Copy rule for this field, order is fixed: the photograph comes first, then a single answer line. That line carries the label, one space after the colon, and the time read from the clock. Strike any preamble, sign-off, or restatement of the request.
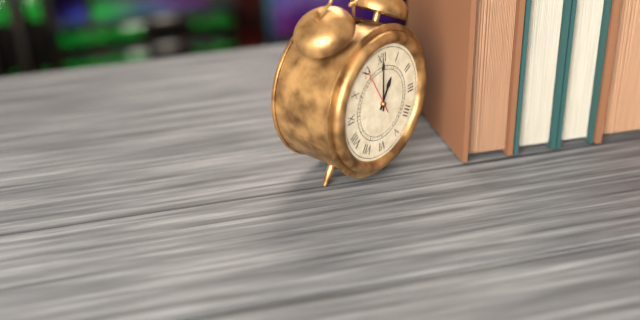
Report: 1:00
